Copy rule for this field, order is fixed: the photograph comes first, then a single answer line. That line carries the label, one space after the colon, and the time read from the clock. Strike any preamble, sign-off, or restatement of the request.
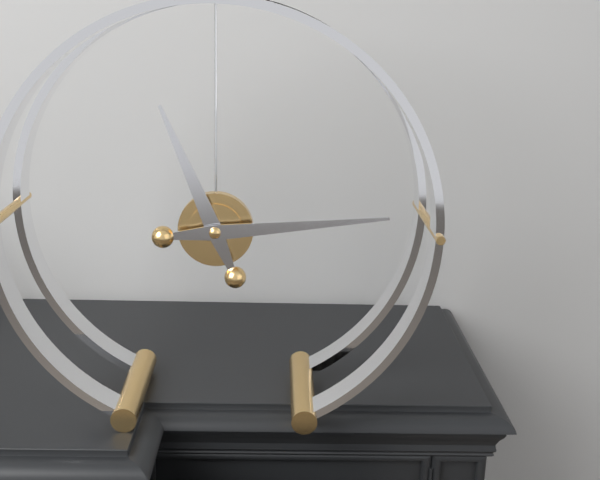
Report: 11:14
